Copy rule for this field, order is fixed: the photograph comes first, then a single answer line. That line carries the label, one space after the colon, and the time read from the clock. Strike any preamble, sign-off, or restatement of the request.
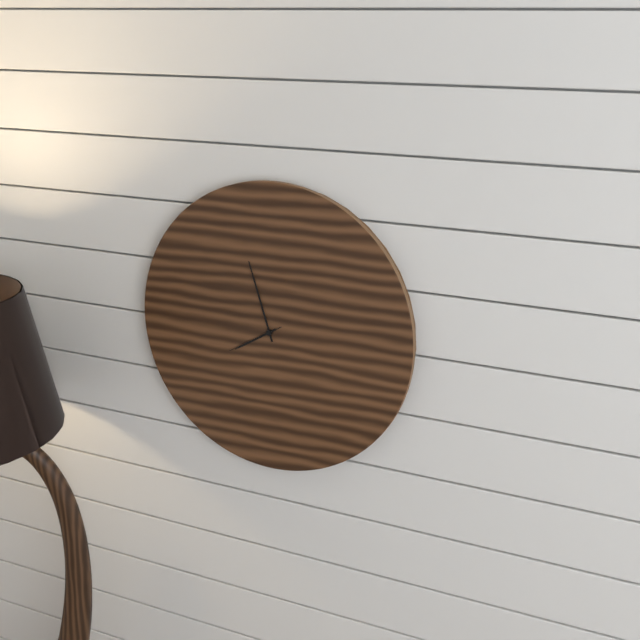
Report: 7:57:40
